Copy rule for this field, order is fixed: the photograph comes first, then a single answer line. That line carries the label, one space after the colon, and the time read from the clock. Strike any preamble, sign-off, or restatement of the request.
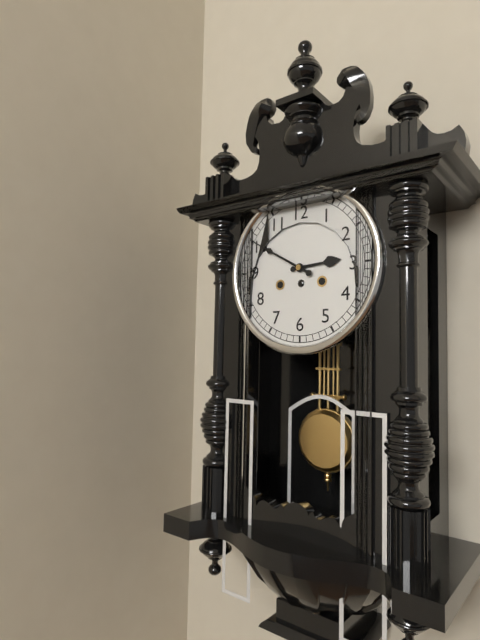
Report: 2:50
